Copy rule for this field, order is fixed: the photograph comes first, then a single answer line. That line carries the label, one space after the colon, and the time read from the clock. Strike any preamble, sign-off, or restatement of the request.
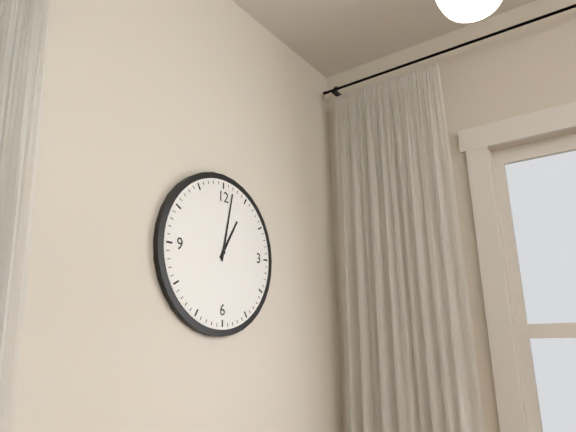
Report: 1:02
